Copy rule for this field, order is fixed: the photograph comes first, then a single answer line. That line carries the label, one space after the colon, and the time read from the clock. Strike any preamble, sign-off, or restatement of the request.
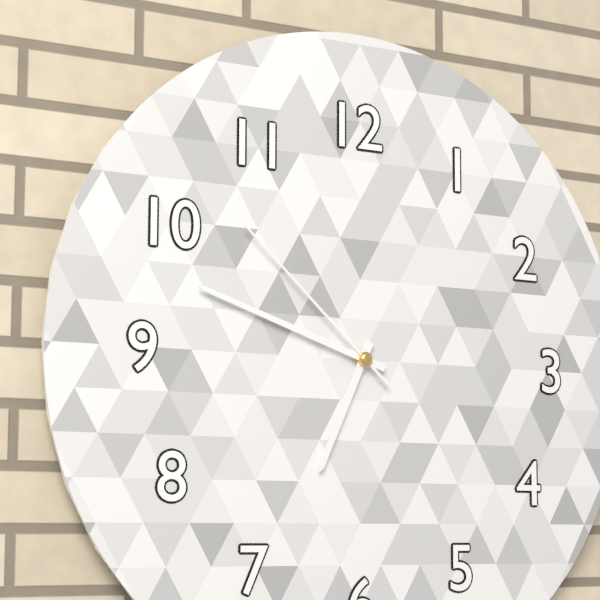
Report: 6:48:52
